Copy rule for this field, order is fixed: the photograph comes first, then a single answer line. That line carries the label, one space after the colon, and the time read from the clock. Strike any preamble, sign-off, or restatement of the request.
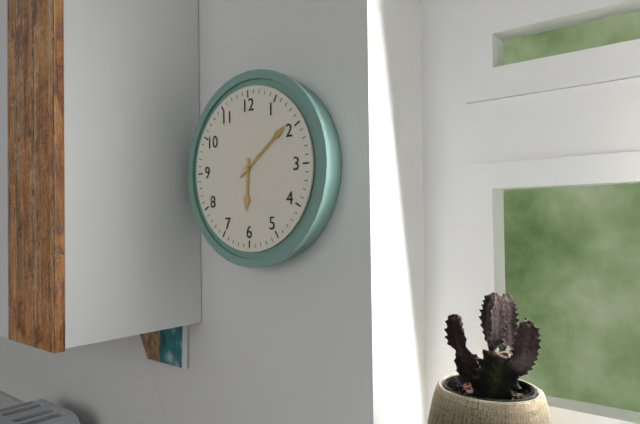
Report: 6:09
